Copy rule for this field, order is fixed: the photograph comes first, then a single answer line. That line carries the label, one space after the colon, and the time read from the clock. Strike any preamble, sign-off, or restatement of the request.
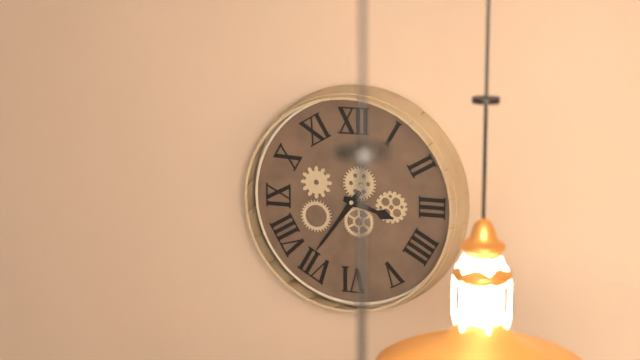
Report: 3:36
